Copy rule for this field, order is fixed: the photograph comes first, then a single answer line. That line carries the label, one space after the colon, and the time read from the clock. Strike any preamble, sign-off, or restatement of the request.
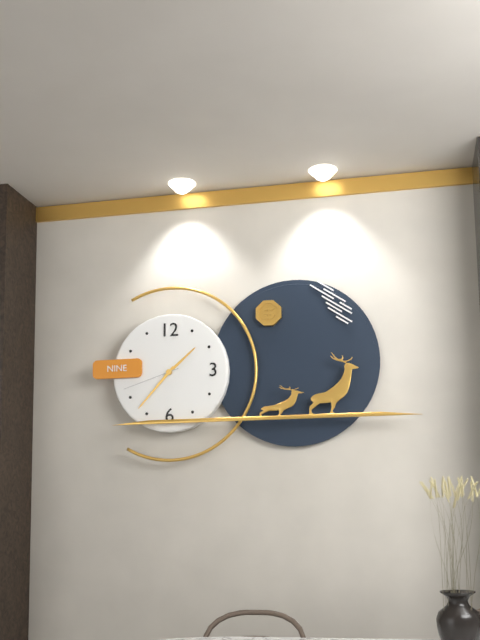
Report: 1:37:42
